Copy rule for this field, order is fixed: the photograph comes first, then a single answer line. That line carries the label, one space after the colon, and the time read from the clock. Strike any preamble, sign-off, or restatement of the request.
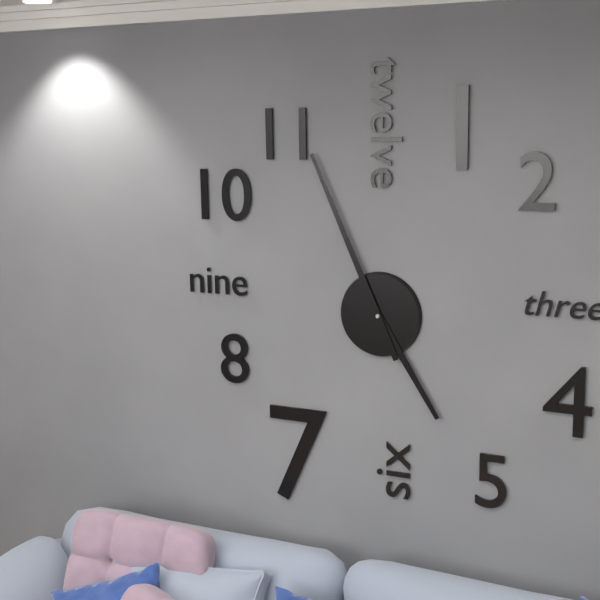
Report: 4:56
